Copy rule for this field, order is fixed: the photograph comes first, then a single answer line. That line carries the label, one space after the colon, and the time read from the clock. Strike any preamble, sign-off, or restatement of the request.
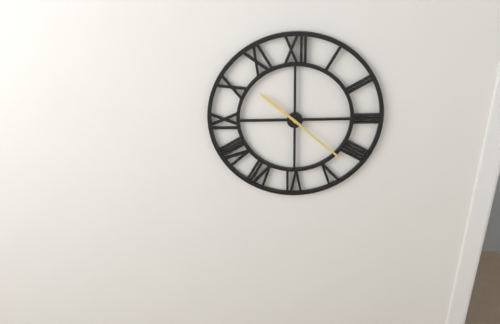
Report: 10:22
